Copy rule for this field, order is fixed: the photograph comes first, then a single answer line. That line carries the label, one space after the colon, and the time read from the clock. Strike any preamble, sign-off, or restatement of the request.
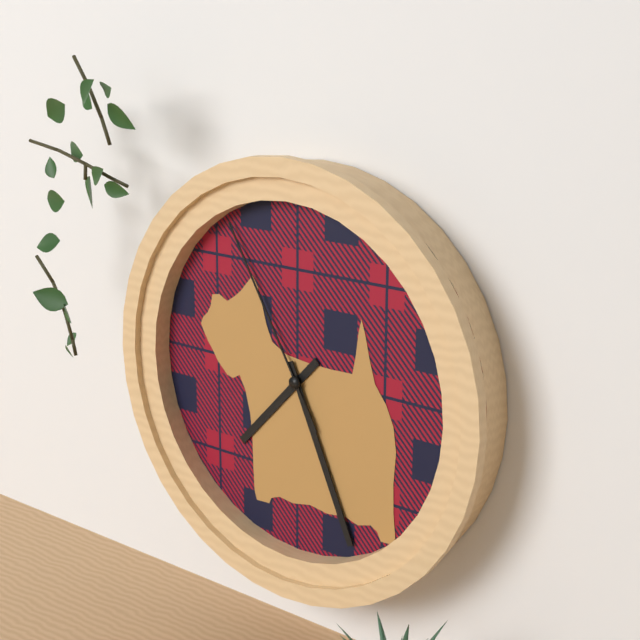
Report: 7:26:55
